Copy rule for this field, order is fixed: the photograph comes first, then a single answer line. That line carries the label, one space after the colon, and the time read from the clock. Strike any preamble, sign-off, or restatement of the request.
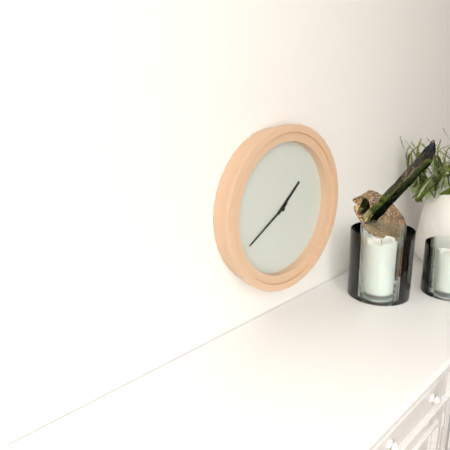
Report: 1:40
